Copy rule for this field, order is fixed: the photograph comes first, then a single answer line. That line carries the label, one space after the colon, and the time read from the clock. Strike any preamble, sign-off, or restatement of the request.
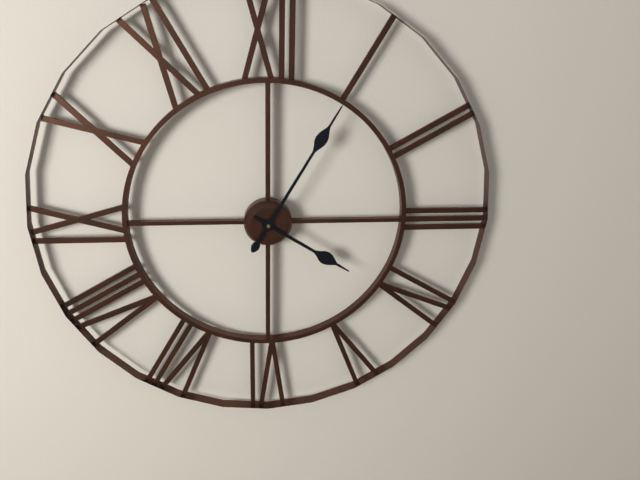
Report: 4:05
